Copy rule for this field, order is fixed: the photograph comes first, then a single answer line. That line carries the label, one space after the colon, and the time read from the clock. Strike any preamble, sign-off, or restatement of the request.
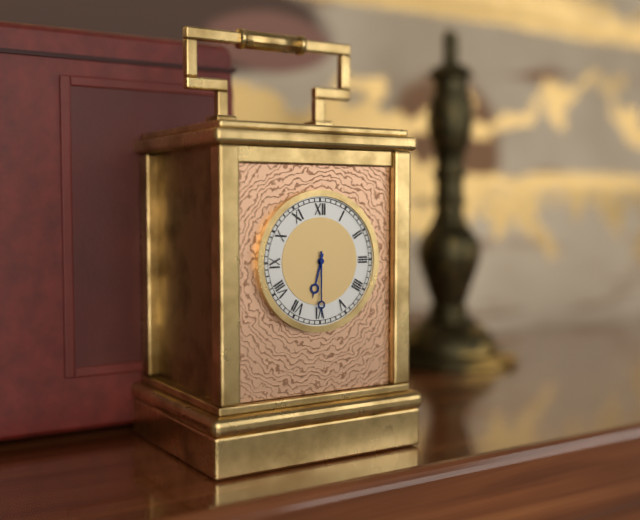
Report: 6:30
